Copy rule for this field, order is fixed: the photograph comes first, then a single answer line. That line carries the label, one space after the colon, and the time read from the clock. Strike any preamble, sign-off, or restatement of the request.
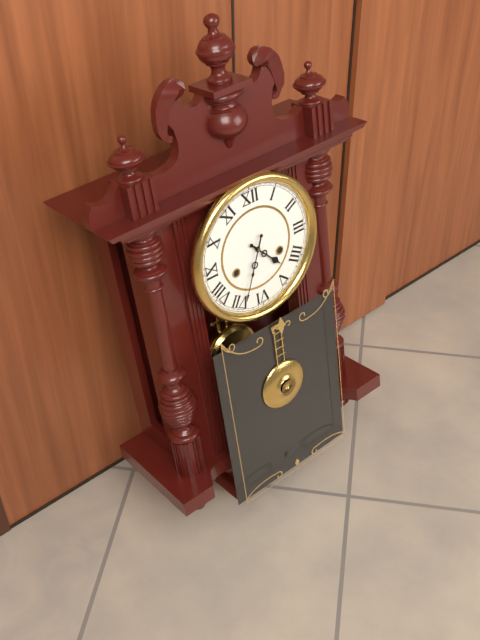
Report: 4:34
